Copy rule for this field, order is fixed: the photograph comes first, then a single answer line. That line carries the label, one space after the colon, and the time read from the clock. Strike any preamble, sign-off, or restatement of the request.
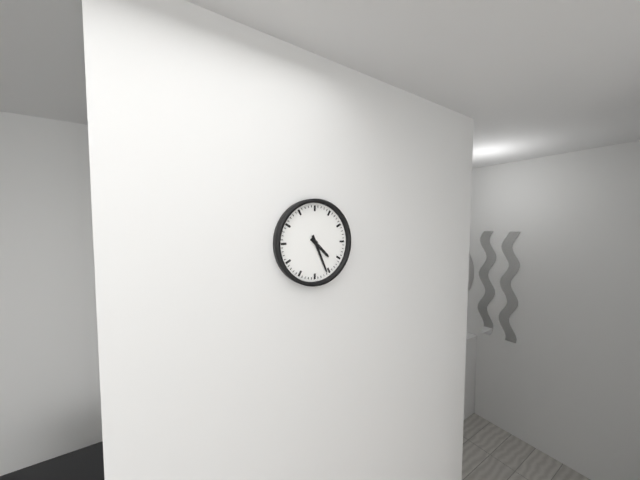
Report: 4:26
